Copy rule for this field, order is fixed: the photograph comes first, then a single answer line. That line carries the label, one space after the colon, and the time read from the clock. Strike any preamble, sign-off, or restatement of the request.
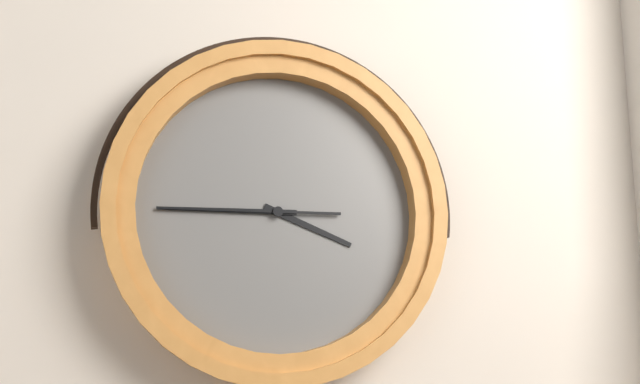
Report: 3:45:45
